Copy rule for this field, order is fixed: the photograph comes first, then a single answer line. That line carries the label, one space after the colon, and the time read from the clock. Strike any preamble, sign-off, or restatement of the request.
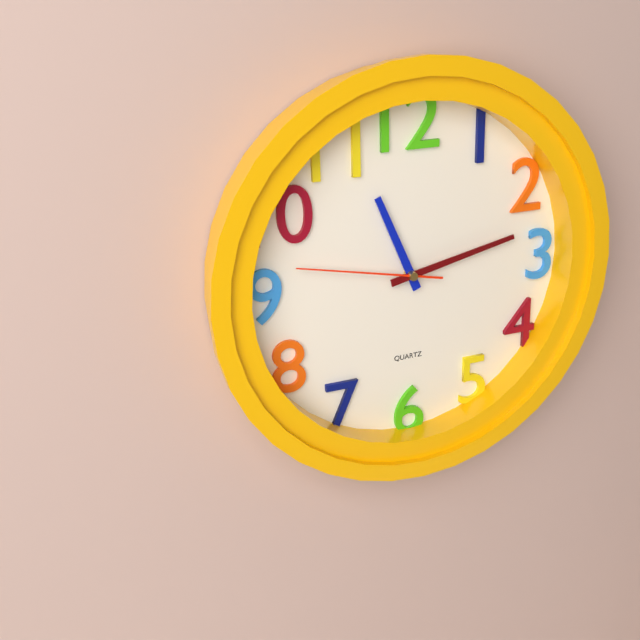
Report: 11:13:47
